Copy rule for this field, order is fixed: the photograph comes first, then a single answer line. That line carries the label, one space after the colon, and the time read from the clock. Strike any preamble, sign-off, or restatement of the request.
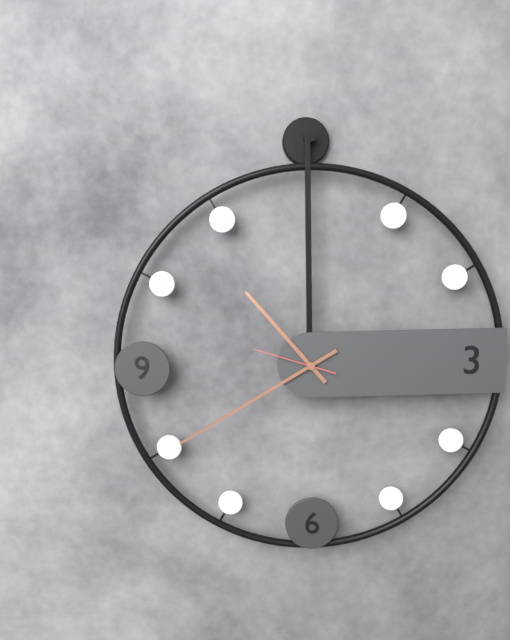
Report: 10:40:48
